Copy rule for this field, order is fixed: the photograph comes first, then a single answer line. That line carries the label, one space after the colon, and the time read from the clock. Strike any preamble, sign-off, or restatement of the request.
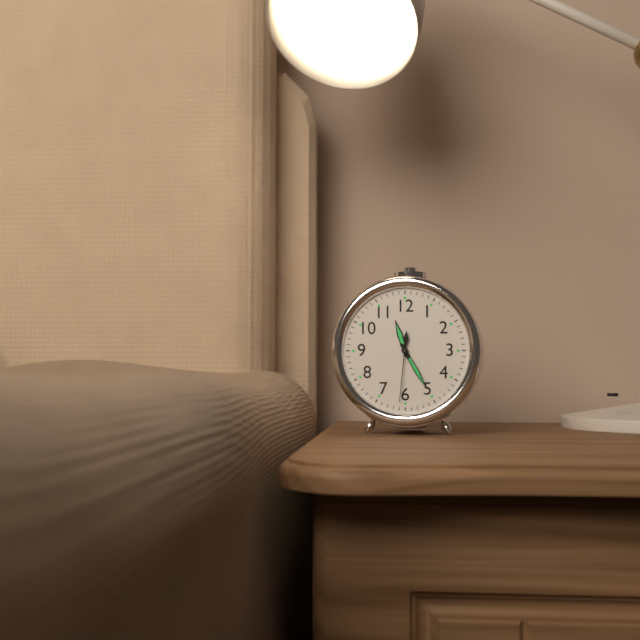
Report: 11:25:31
